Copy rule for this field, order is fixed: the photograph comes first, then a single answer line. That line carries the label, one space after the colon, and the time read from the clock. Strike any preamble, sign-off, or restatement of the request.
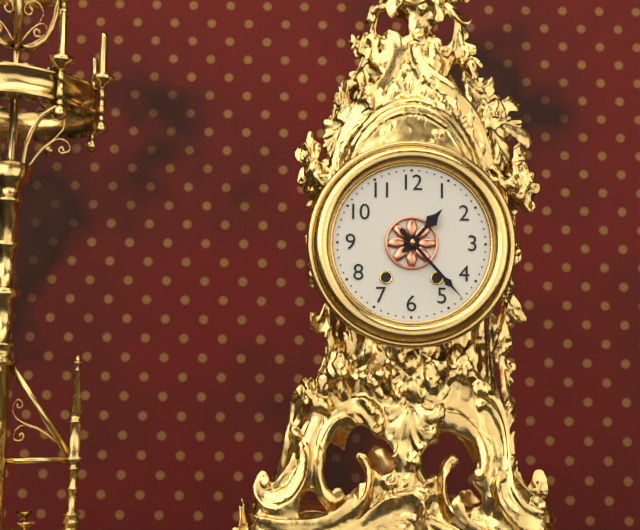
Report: 1:23
